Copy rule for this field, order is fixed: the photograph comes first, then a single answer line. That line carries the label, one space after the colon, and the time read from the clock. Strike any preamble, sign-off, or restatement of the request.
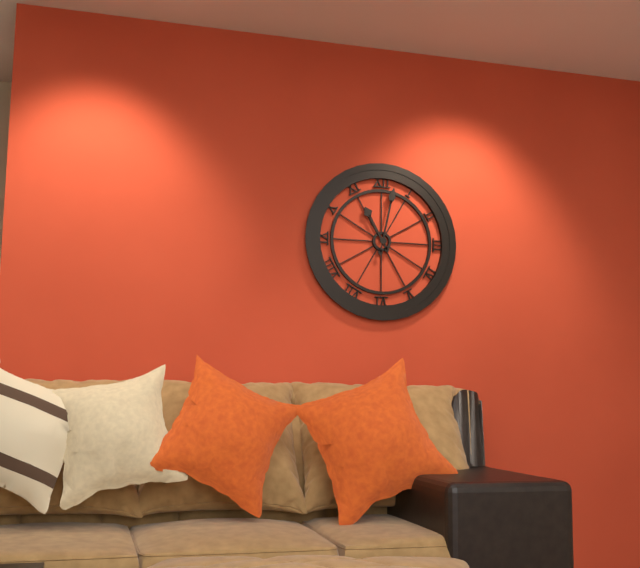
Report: 11:02
